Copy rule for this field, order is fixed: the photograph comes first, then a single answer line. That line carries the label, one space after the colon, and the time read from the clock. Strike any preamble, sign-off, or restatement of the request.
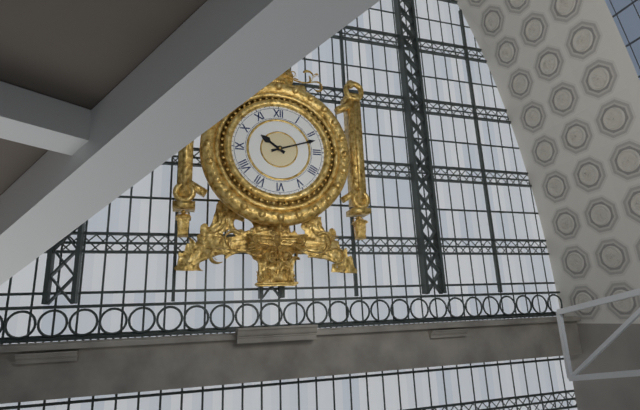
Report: 10:12
